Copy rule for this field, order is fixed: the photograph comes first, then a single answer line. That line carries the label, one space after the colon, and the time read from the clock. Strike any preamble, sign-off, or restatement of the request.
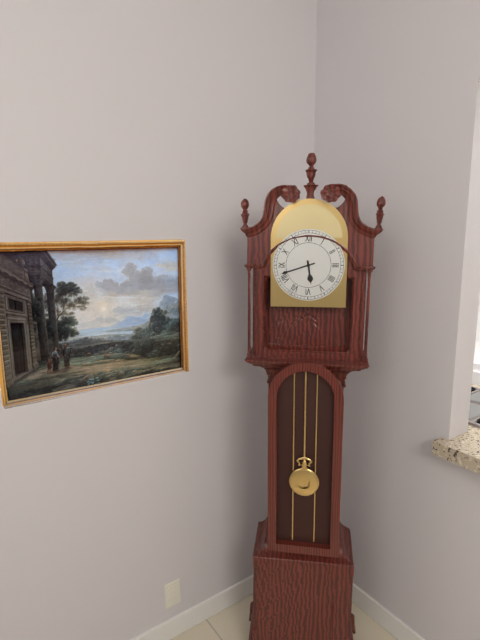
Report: 5:42
